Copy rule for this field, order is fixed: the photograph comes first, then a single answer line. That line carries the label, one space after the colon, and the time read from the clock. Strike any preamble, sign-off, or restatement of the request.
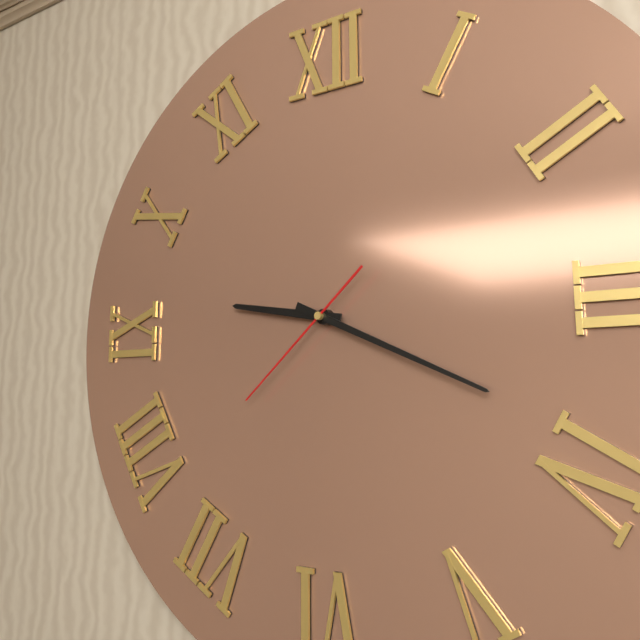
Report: 9:19:38
